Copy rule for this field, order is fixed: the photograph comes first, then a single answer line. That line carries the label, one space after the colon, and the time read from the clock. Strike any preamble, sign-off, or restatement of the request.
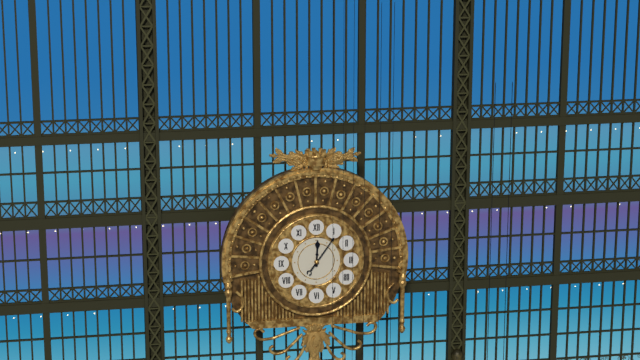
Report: 12:06
